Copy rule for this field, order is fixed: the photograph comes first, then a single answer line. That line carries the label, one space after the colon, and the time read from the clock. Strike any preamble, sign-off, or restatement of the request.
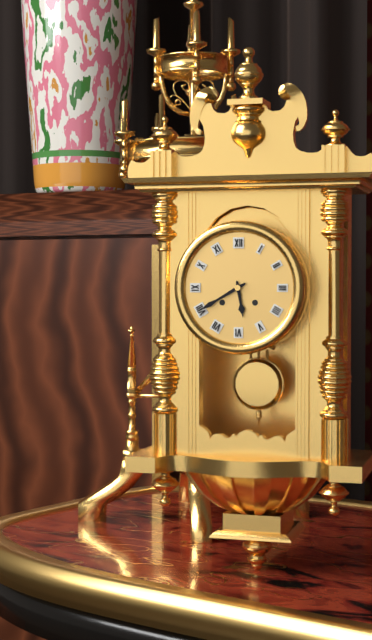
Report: 5:40
